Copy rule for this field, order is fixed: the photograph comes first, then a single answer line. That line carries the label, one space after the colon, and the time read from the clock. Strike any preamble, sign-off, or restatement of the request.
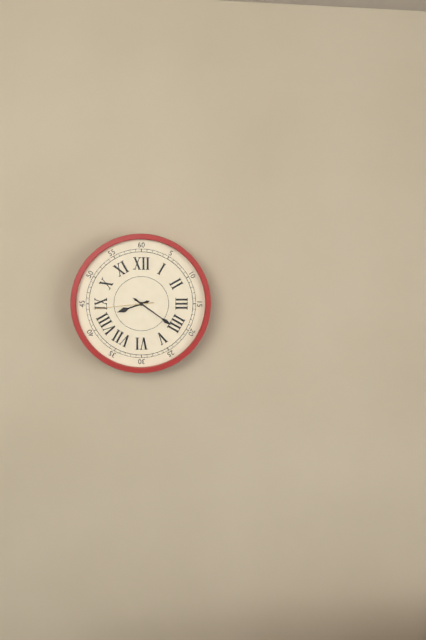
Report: 8:21:44
